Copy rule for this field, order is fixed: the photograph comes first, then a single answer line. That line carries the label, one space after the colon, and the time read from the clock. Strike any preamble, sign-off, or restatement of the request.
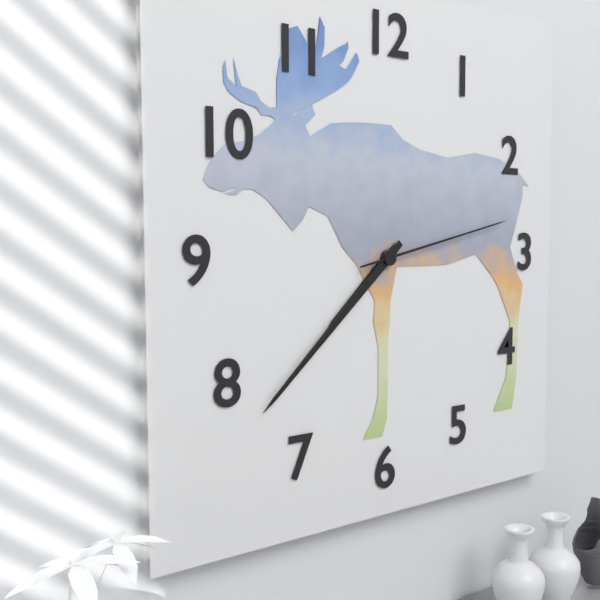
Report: 7:38:13
